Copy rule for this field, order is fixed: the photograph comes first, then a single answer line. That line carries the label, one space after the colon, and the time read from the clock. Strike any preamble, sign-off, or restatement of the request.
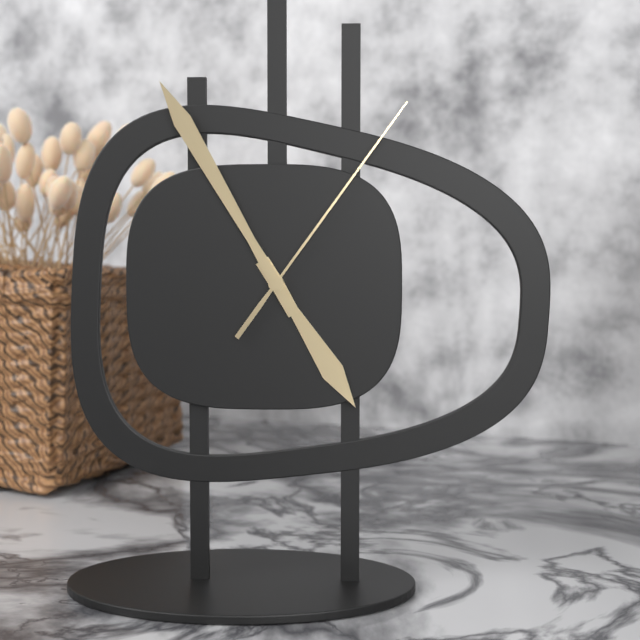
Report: 4:55:06
